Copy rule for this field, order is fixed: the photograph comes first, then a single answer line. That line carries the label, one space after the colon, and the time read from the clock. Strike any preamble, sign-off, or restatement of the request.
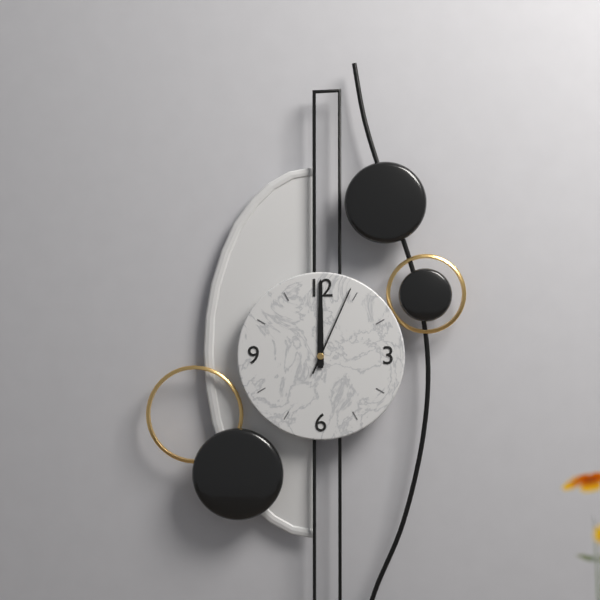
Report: 12:00:04
